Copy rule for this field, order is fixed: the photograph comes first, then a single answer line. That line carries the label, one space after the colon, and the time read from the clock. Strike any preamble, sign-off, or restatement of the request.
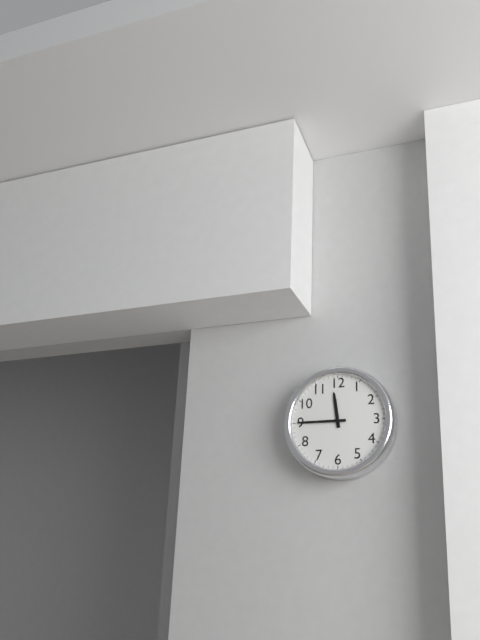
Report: 11:45
